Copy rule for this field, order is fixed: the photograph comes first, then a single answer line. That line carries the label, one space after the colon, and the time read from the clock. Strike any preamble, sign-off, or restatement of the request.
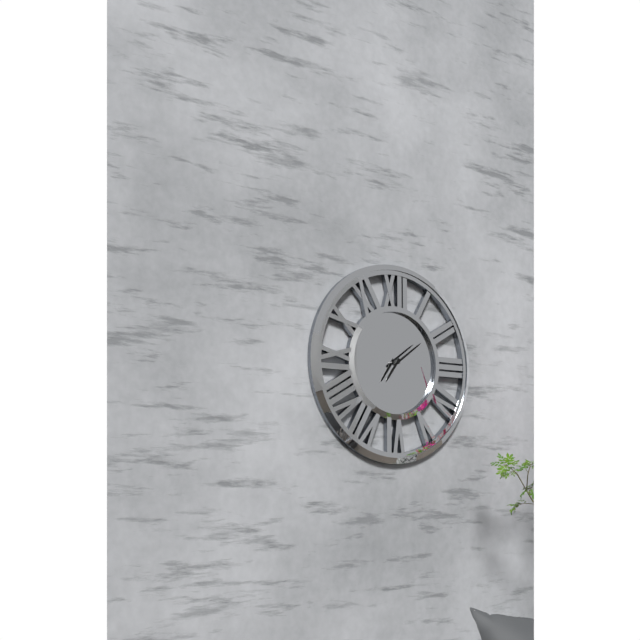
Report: 7:09
